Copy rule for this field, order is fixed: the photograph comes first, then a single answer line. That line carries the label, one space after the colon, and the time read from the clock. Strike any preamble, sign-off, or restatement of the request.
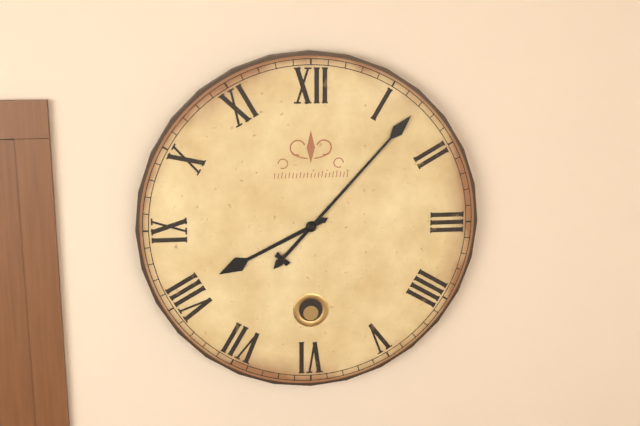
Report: 8:07
